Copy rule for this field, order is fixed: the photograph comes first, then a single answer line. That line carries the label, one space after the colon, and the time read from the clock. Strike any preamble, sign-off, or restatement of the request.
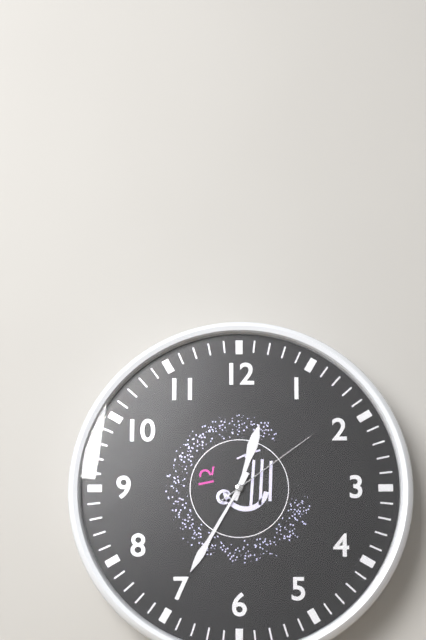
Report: 12:35:09
